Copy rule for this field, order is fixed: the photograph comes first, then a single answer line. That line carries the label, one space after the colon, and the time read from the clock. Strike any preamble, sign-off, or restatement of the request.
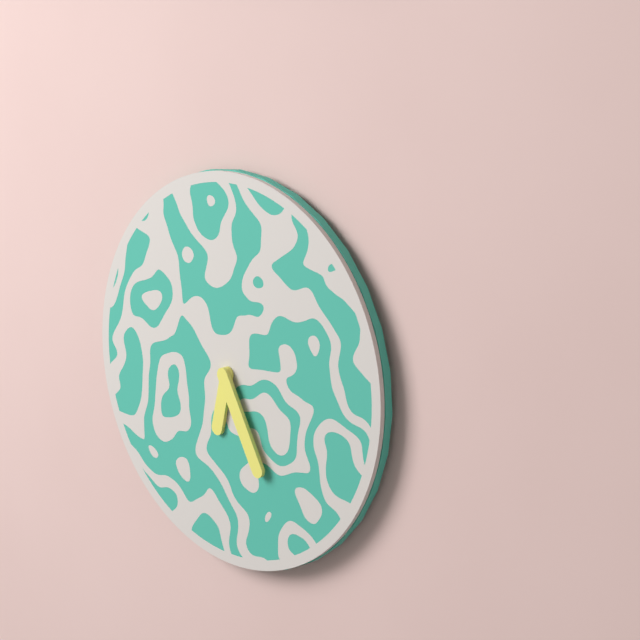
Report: 6:25
